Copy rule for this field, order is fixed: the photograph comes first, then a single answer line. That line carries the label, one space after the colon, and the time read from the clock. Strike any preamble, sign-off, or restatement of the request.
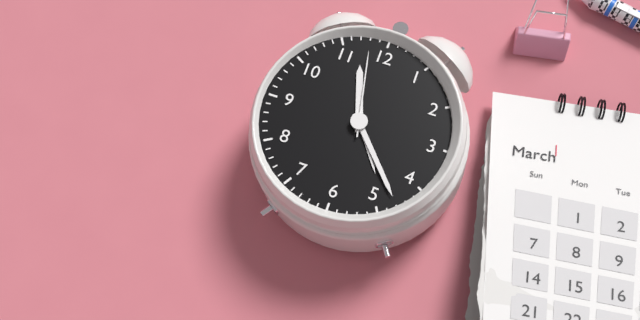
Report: 11:23:58
